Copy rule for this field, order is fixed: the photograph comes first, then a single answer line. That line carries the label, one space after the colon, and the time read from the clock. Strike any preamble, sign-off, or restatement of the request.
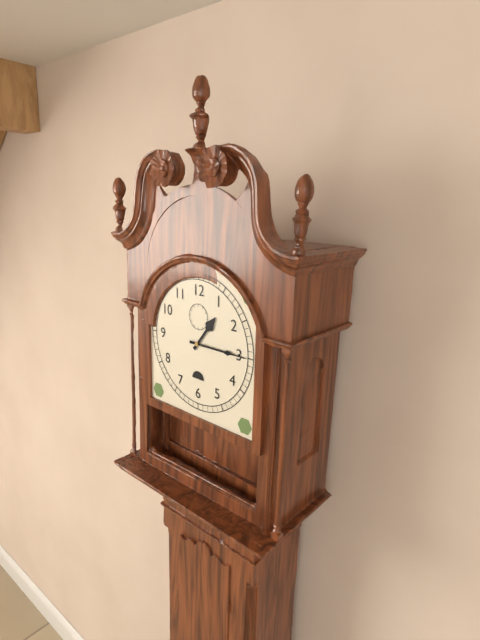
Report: 1:15
